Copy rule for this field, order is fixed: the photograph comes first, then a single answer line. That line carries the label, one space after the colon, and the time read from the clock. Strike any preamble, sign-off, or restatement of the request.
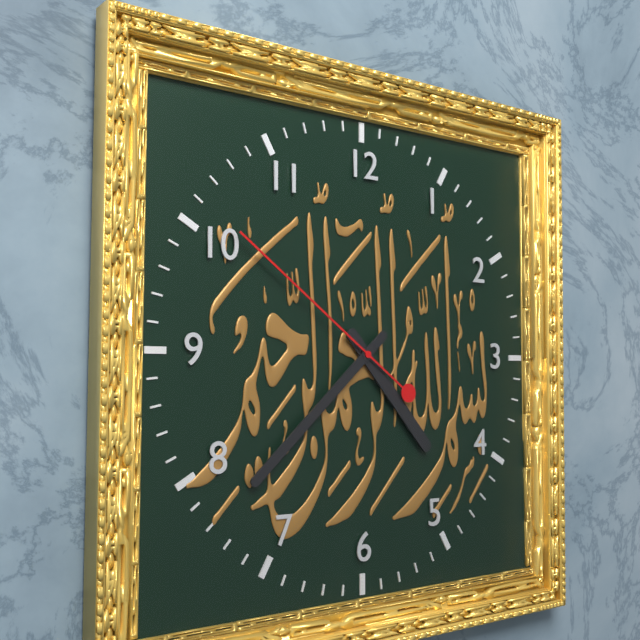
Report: 4:38:51
